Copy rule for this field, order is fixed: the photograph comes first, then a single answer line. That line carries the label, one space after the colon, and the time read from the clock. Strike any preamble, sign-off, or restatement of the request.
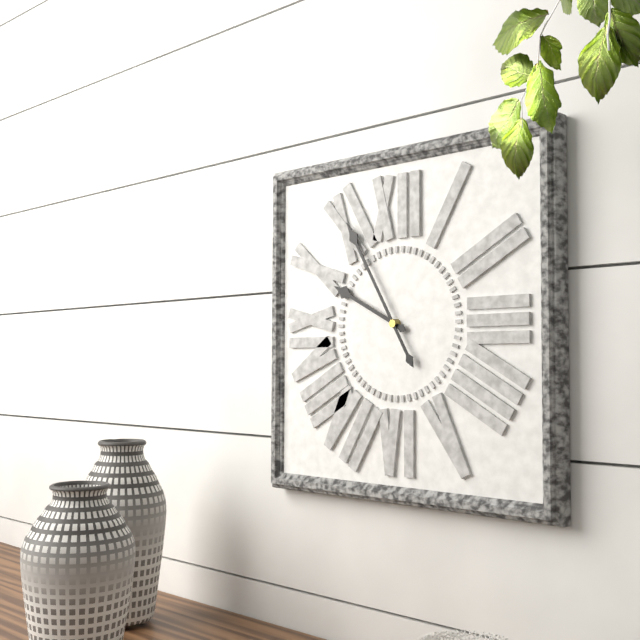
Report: 9:55
